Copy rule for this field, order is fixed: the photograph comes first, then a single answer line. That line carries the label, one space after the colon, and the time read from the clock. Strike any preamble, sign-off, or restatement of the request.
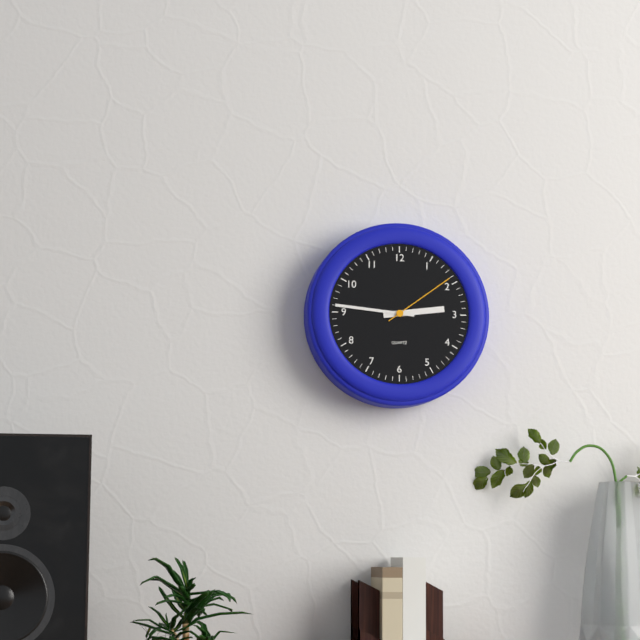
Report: 2:46:09
